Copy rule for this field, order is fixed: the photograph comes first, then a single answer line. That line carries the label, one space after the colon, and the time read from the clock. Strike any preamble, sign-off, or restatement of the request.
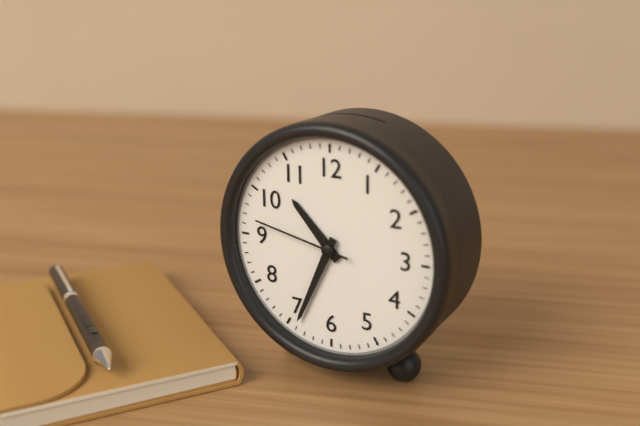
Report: 10:34:47
